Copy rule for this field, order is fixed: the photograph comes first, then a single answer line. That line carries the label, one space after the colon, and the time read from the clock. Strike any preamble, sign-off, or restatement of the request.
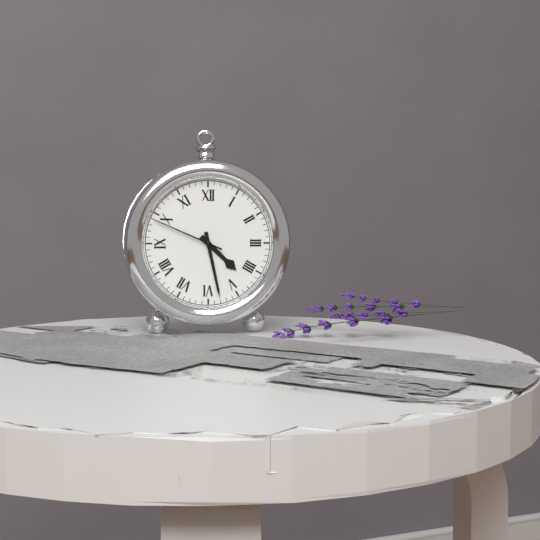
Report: 4:28:49
